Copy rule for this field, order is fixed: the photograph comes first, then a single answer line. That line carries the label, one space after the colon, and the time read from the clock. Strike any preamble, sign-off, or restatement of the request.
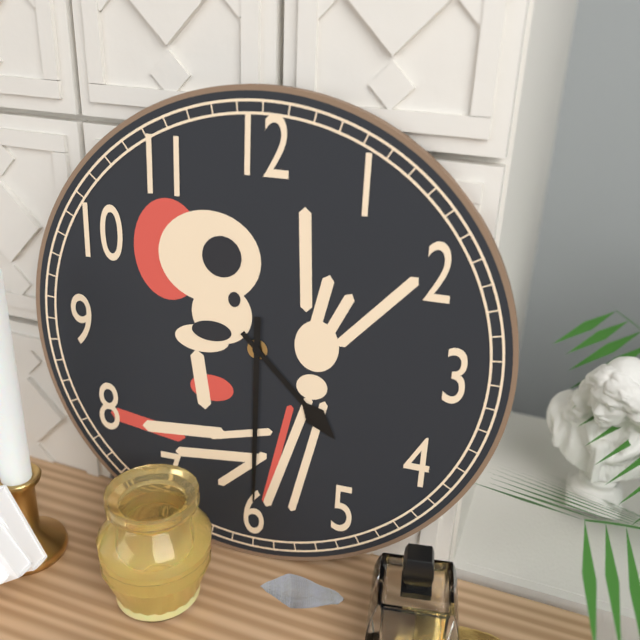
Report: 4:30
